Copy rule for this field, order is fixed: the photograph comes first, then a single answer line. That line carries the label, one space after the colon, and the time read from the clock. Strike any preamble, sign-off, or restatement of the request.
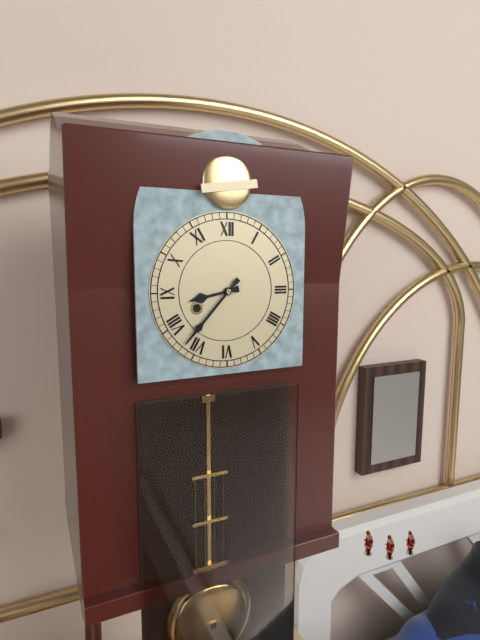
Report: 8:37
